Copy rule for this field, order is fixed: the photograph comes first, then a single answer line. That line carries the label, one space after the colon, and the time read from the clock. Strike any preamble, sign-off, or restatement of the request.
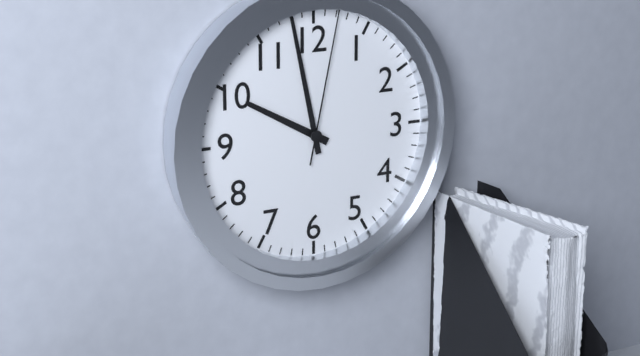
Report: 9:58:02
